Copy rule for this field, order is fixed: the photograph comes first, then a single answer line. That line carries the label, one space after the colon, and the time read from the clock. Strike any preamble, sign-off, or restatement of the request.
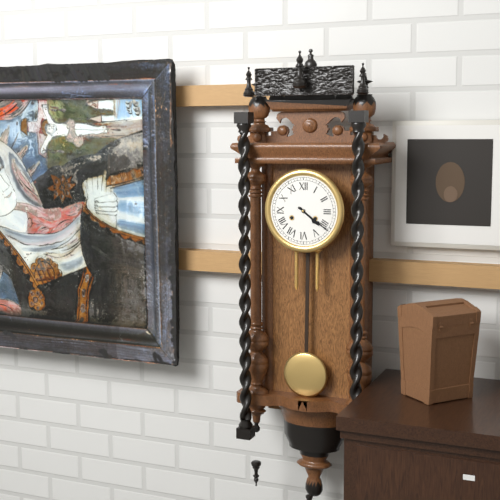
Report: 4:21
